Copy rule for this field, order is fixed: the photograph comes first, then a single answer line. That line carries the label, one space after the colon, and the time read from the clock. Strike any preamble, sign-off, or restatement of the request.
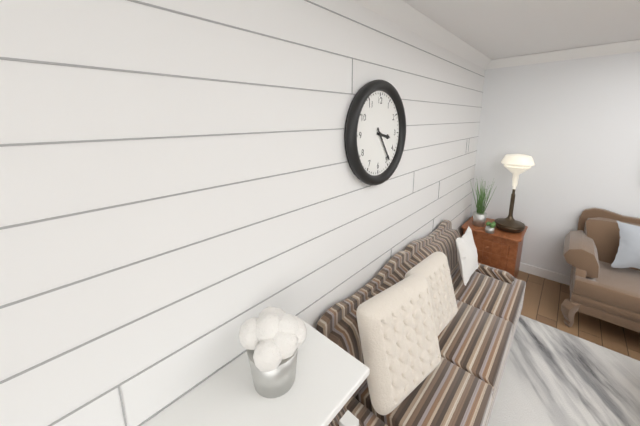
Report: 3:24
